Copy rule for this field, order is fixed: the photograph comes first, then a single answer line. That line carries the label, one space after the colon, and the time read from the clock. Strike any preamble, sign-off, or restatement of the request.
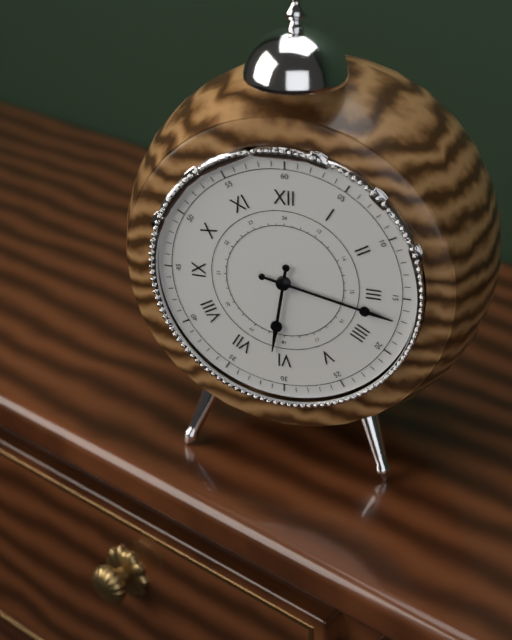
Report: 6:17
